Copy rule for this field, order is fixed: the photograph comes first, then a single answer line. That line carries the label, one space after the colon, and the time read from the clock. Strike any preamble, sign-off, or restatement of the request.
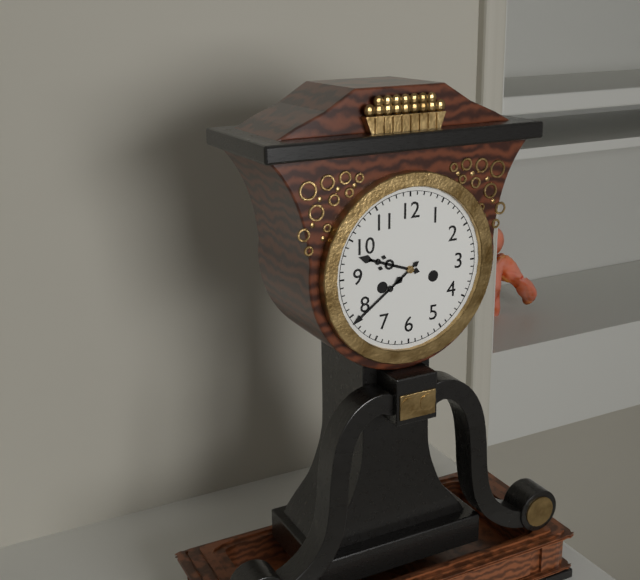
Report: 9:39
